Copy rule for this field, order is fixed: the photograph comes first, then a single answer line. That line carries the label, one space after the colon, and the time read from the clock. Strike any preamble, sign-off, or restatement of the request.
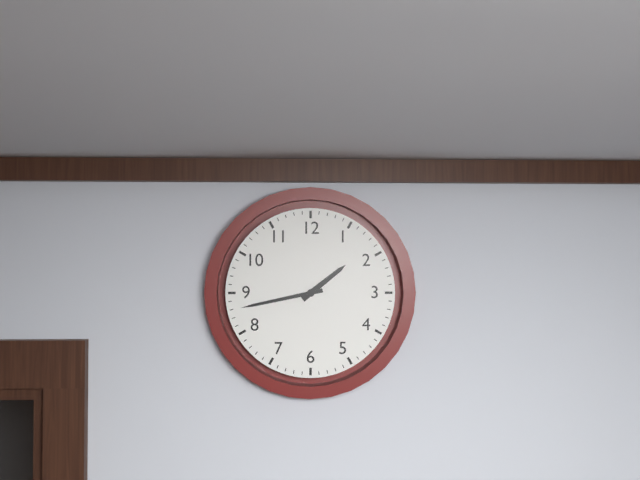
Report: 1:43
